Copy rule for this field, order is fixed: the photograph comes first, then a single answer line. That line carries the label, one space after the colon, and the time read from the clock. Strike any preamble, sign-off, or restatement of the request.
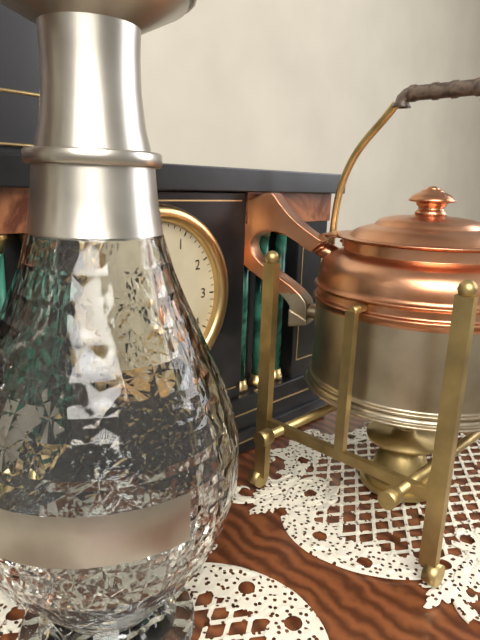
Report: 6:35
